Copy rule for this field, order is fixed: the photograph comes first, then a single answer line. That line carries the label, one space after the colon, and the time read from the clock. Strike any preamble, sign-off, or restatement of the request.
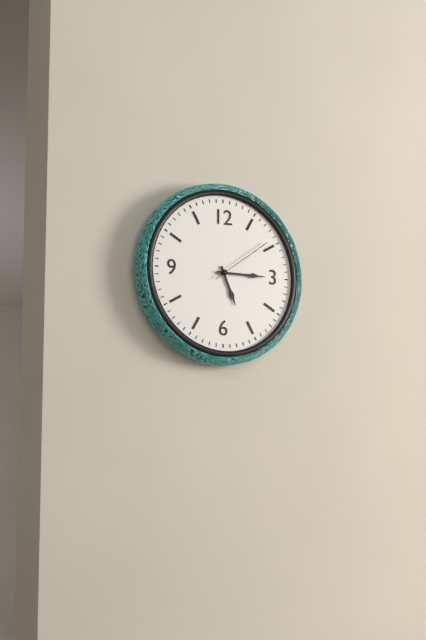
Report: 5:15:09
